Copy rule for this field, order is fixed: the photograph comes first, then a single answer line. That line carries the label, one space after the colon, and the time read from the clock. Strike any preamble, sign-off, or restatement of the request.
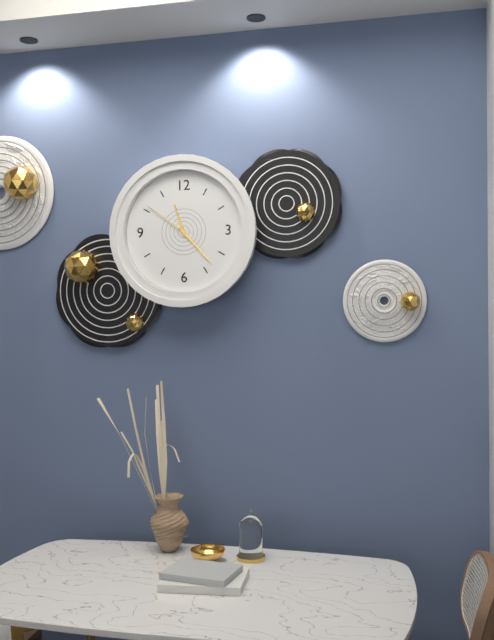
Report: 11:23:51
